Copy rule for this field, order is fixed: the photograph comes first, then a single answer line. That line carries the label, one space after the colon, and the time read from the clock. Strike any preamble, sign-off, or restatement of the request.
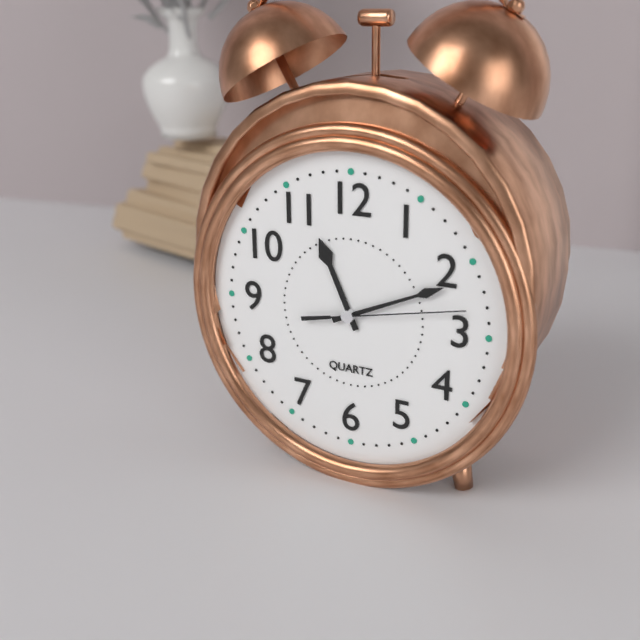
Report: 11:11:13
